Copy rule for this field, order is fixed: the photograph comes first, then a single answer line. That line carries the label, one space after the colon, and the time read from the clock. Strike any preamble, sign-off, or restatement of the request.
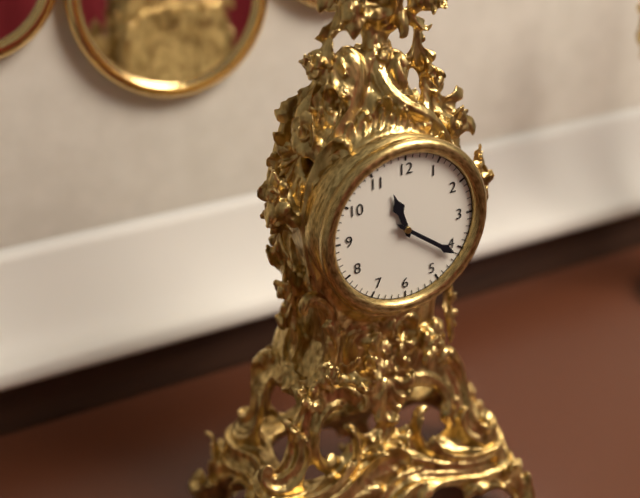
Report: 11:21
